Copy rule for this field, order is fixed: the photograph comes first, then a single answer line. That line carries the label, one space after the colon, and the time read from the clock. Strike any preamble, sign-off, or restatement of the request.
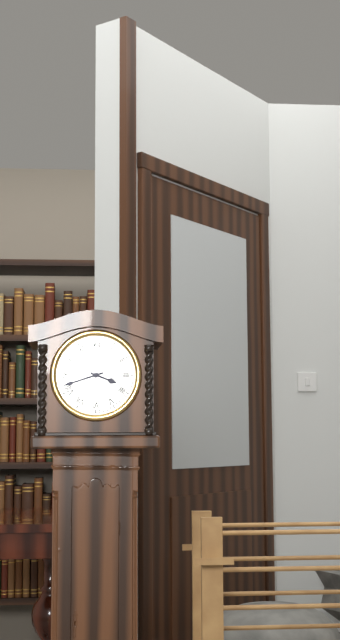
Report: 3:42
